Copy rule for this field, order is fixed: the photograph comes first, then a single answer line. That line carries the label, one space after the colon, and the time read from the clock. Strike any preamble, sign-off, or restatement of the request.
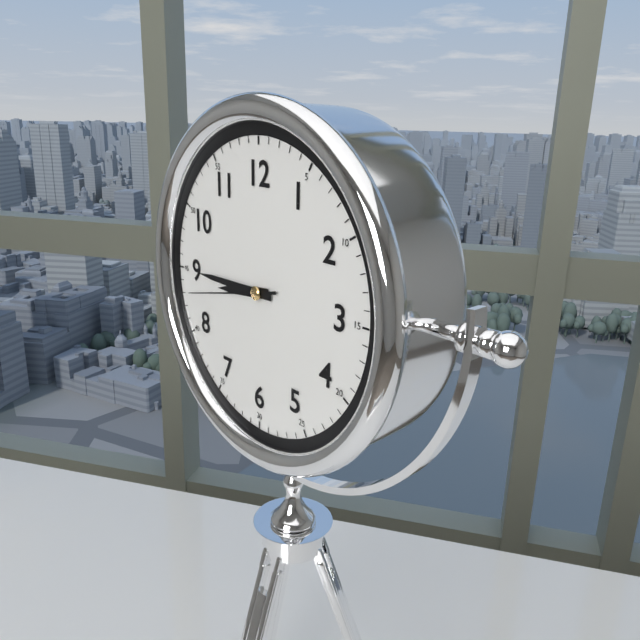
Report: 8:45:43
